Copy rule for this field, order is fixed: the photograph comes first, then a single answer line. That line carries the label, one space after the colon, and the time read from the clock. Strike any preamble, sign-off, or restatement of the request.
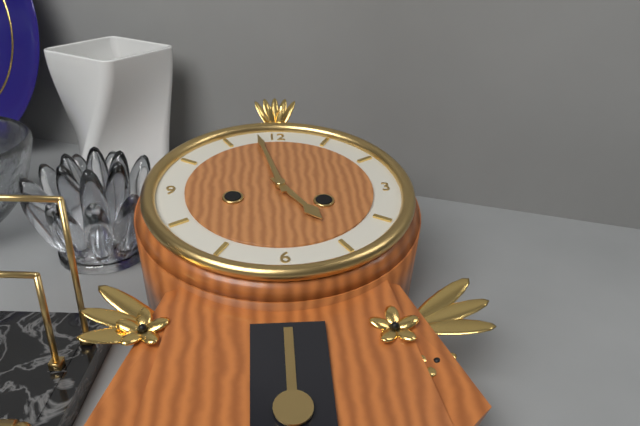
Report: 4:58
